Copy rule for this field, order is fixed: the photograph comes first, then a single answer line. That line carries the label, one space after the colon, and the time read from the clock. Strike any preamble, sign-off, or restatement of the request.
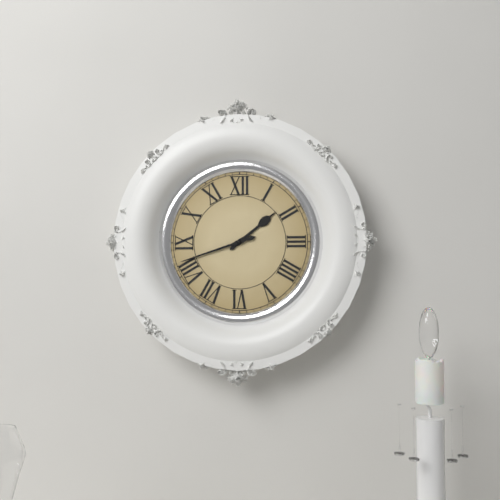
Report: 1:42
